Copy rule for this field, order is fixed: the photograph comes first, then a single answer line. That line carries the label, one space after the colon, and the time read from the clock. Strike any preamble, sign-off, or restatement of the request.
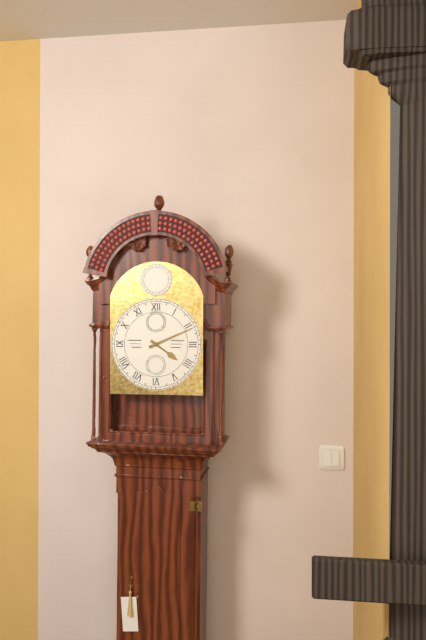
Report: 4:11
